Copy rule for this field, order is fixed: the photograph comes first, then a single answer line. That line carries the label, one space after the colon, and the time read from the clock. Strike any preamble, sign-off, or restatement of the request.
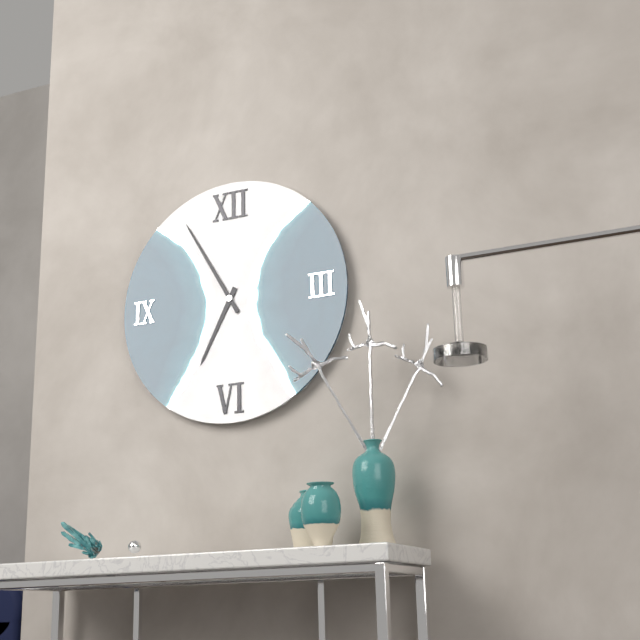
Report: 6:55
